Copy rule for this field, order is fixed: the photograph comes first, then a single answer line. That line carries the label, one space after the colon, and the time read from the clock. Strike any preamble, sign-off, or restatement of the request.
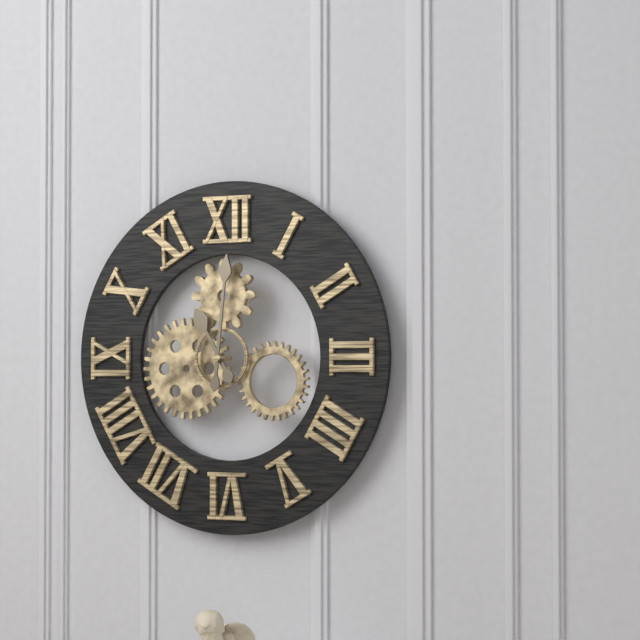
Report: 11:01
